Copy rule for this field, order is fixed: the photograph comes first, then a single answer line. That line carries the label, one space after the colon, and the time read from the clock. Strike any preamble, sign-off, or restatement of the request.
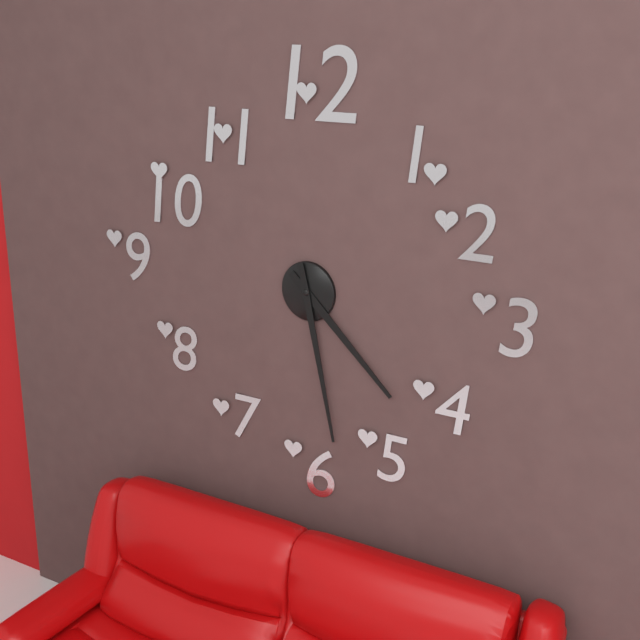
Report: 4:28
